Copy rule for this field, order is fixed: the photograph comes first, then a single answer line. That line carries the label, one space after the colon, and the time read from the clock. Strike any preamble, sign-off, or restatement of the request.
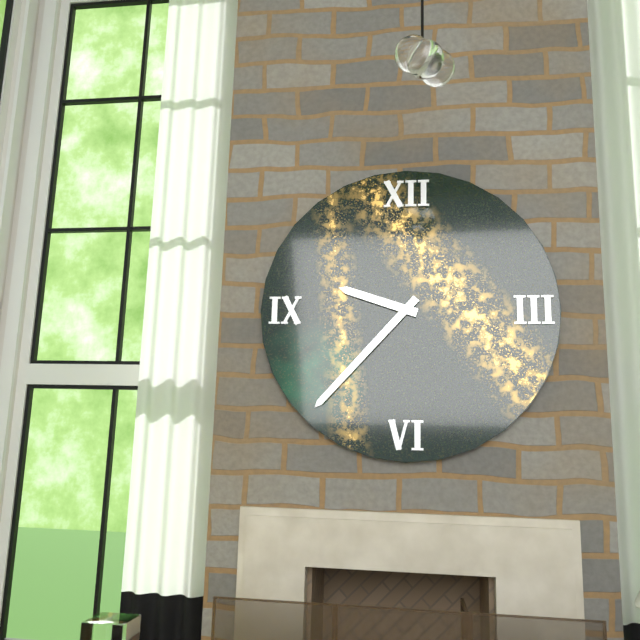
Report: 9:37
